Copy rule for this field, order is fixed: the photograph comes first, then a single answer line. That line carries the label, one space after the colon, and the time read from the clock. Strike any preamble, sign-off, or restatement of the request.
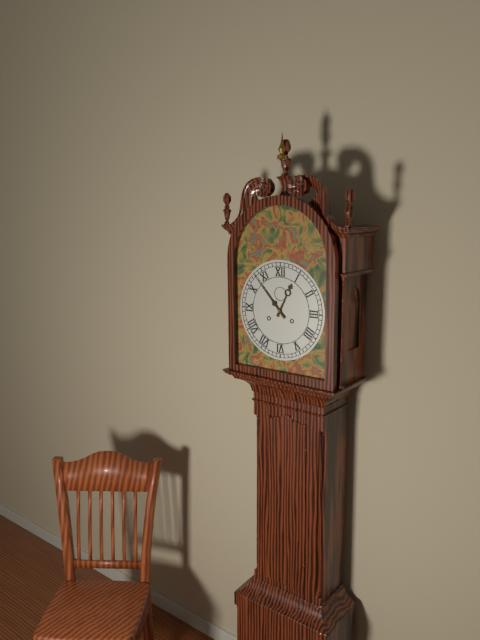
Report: 12:53
